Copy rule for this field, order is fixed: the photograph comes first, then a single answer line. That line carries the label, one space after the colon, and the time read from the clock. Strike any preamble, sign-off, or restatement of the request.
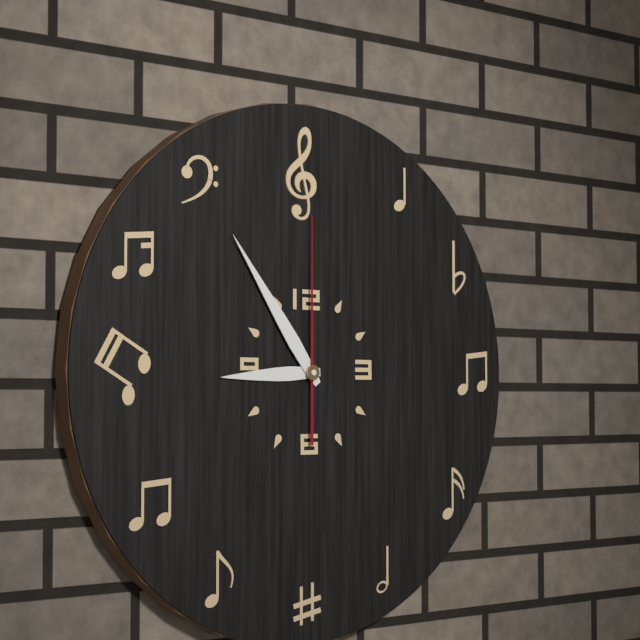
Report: 8:54:00
